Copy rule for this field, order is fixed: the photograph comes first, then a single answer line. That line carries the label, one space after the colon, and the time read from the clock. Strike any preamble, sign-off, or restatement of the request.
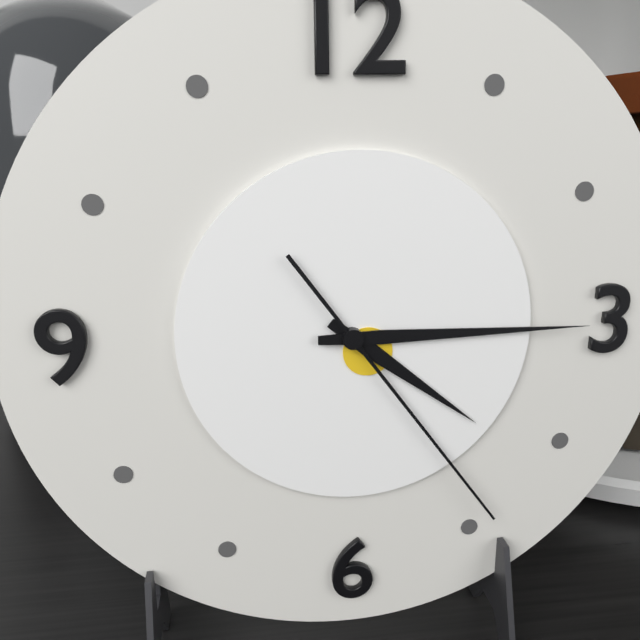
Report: 4:15:24
